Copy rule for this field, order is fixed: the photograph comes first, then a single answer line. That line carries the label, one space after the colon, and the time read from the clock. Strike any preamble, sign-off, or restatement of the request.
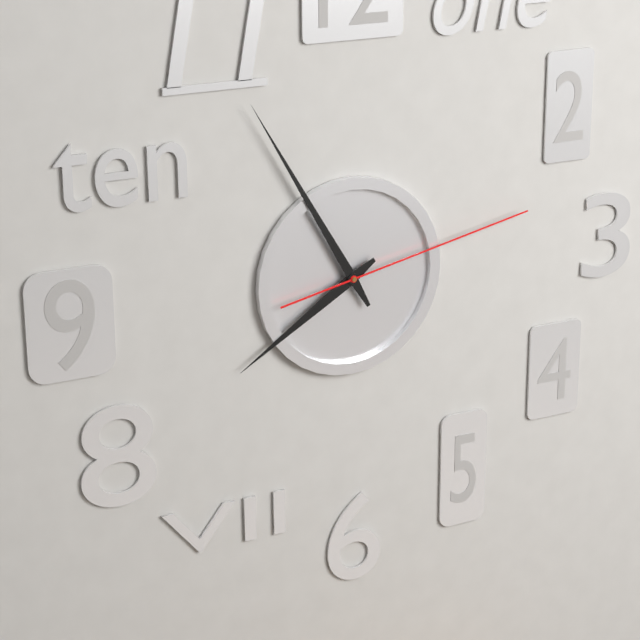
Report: 7:55:13
